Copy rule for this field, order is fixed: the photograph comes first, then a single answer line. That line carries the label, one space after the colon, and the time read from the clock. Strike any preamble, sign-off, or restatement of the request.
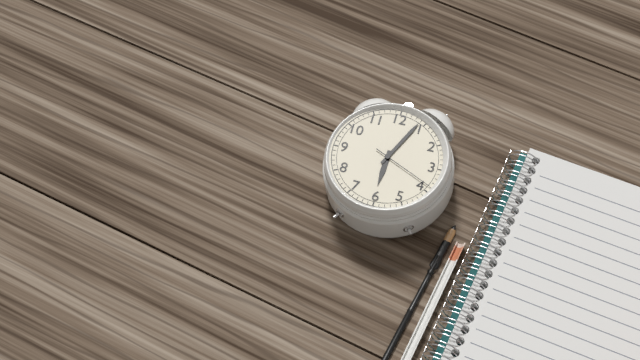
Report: 6:04:19
